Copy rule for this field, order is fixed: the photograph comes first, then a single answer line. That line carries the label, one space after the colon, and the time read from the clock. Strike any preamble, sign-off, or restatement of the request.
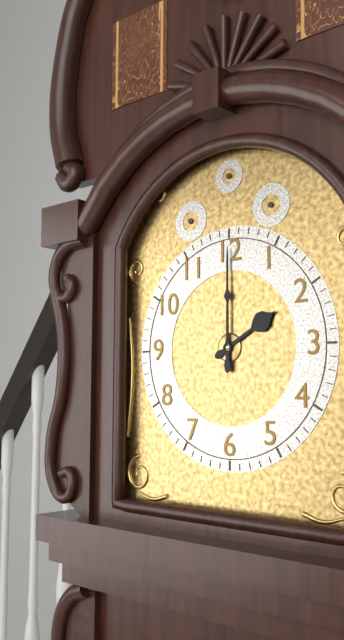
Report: 2:00
